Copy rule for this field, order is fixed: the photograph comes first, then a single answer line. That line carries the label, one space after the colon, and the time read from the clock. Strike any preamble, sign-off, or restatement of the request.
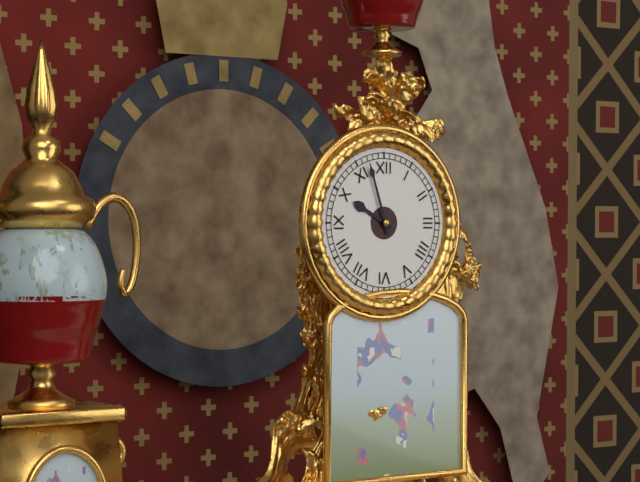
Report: 9:57
